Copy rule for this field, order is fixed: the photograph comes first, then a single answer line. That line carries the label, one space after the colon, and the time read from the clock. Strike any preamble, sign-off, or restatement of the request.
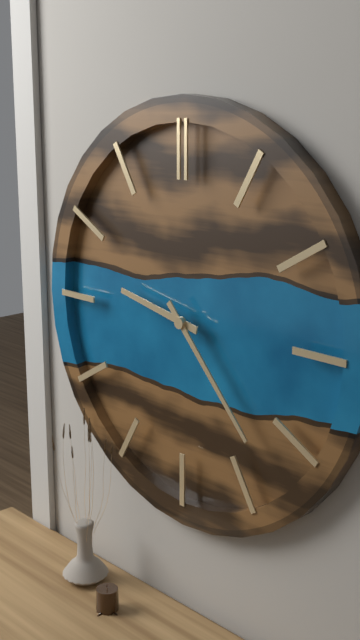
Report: 9:23
